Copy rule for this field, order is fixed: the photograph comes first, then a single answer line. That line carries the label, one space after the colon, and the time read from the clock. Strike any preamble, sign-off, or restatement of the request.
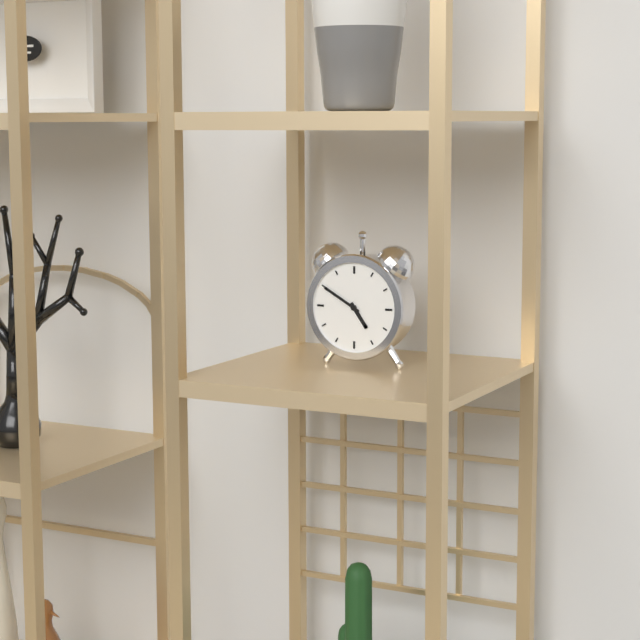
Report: 4:50
